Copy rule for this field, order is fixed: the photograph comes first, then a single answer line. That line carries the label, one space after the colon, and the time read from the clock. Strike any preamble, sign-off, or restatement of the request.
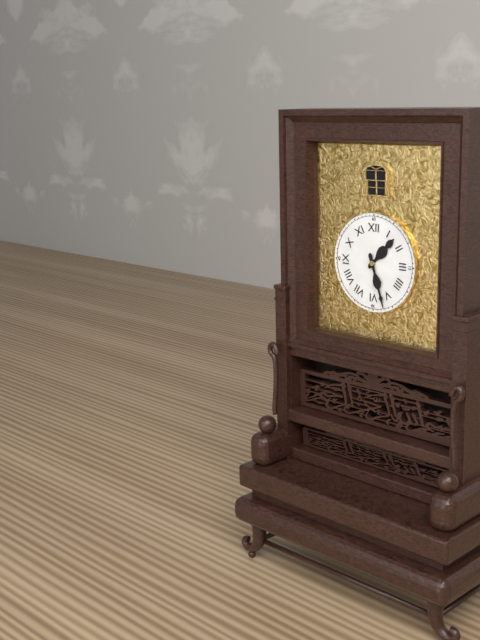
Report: 1:27
